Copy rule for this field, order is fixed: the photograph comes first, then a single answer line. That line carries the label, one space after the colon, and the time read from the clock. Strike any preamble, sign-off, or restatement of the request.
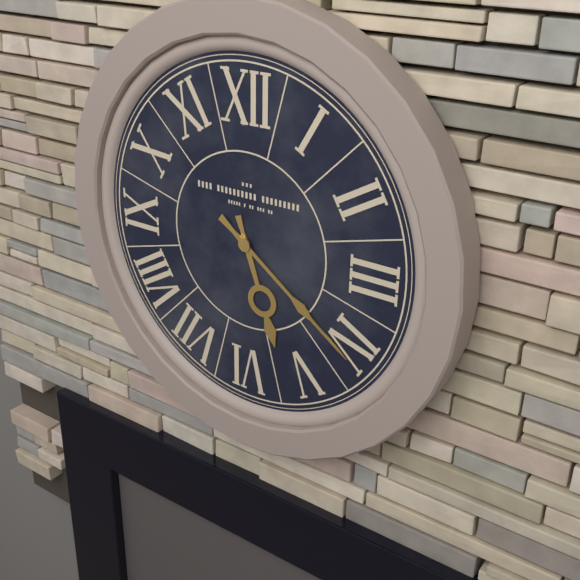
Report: 5:21
